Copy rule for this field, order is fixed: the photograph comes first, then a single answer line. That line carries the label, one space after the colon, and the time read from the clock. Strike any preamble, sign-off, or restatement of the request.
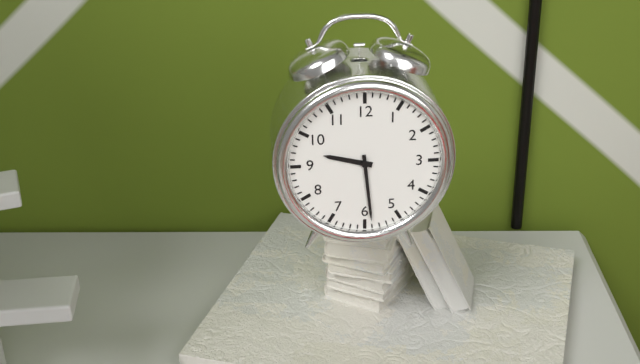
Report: 9:29
